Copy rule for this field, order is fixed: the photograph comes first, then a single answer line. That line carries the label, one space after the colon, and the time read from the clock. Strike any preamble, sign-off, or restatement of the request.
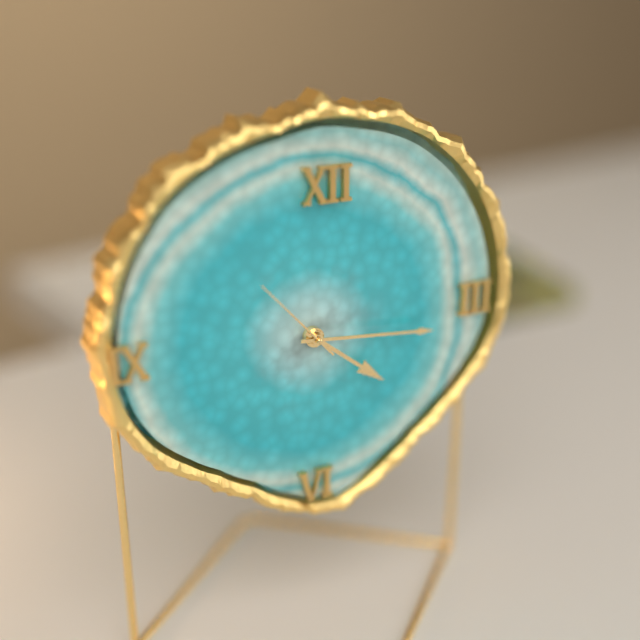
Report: 4:16:53
